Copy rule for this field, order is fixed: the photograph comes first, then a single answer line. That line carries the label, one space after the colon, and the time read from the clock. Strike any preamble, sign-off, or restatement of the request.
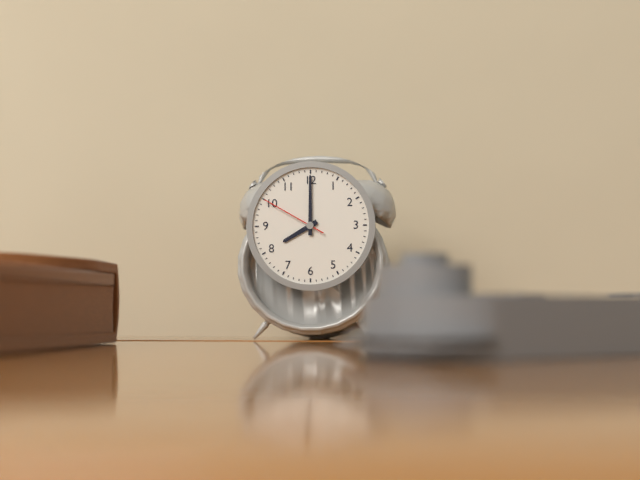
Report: 8:00:50
